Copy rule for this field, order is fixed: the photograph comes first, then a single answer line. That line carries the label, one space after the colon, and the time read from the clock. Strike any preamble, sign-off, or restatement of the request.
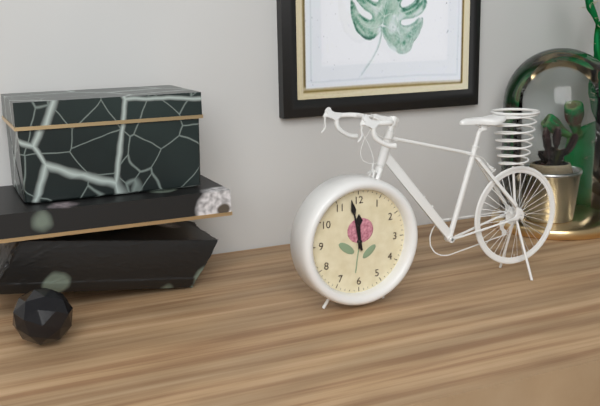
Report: 11:58
